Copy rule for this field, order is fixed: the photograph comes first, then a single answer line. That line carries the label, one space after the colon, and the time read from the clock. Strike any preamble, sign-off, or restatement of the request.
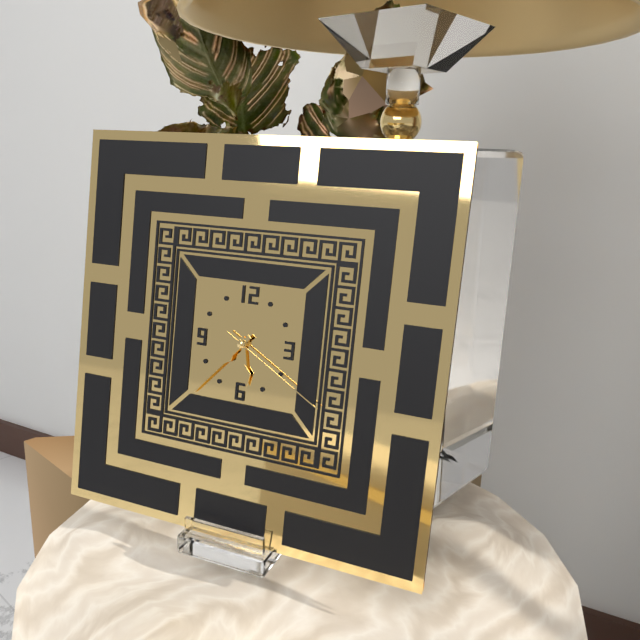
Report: 5:37:20
